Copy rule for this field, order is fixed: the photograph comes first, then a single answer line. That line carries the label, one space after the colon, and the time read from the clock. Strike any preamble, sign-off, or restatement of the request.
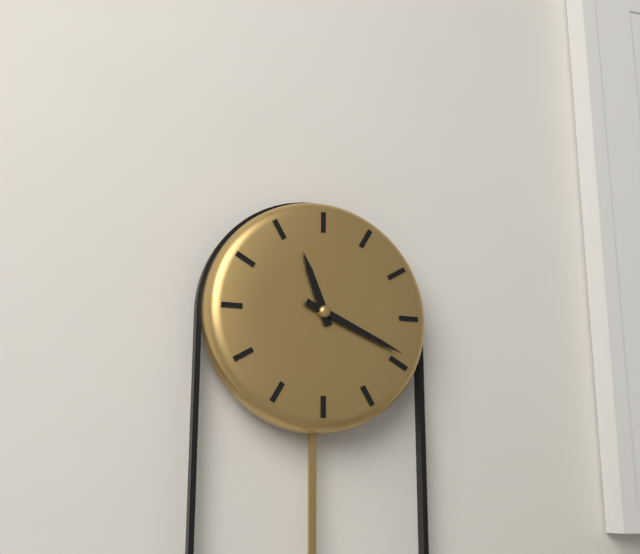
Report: 11:19
